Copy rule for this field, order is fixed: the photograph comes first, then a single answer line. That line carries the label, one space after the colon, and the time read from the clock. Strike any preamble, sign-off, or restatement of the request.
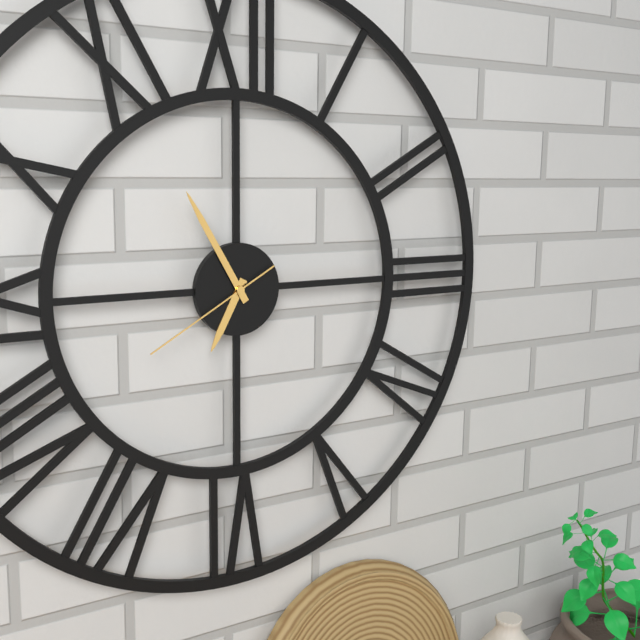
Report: 6:55:40
